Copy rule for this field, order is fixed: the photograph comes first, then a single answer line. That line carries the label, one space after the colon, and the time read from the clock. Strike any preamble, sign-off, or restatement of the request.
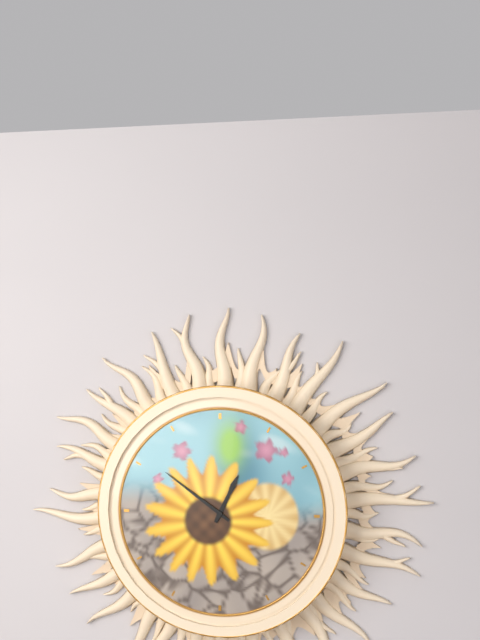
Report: 12:51
